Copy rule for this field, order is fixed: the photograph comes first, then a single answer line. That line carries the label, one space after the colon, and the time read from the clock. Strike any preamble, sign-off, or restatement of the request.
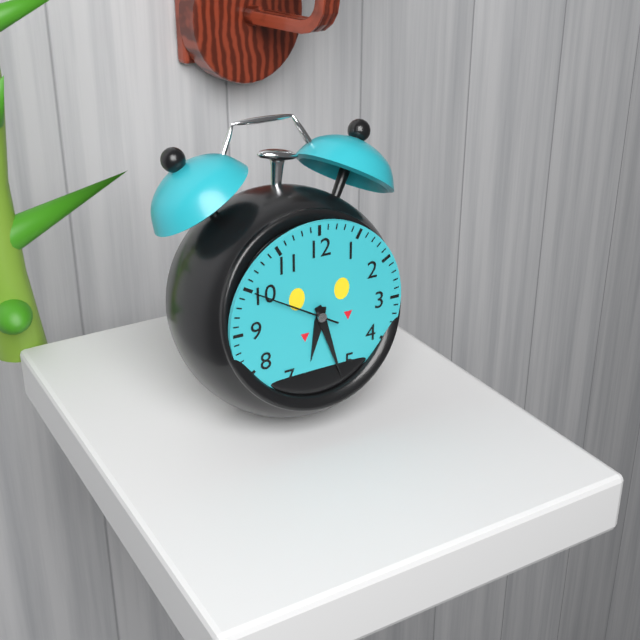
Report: 6:27:50
